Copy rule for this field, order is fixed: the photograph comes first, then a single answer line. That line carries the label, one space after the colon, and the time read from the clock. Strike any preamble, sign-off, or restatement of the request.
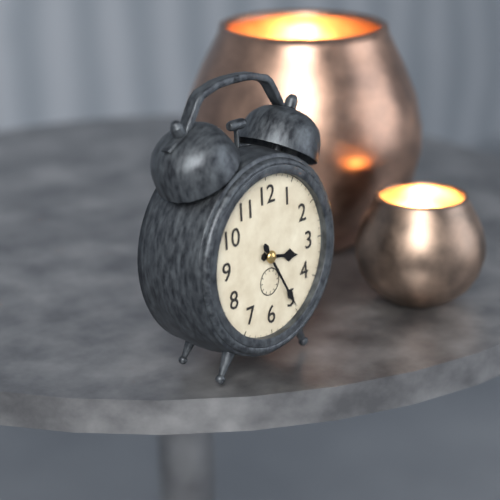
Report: 3:25
